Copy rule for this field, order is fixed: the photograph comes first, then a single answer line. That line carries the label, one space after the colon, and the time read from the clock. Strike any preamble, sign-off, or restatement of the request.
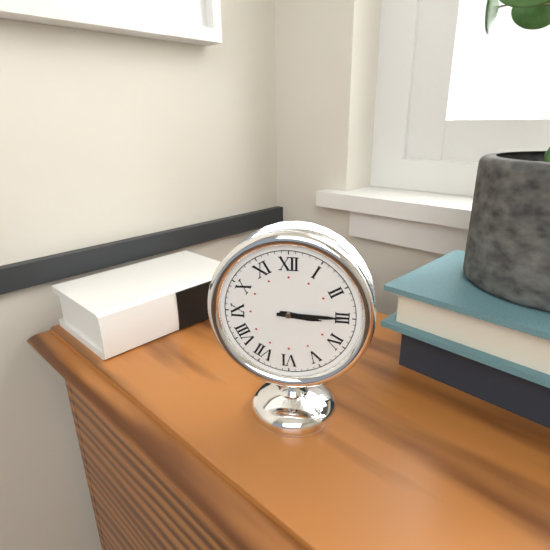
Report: 3:15
